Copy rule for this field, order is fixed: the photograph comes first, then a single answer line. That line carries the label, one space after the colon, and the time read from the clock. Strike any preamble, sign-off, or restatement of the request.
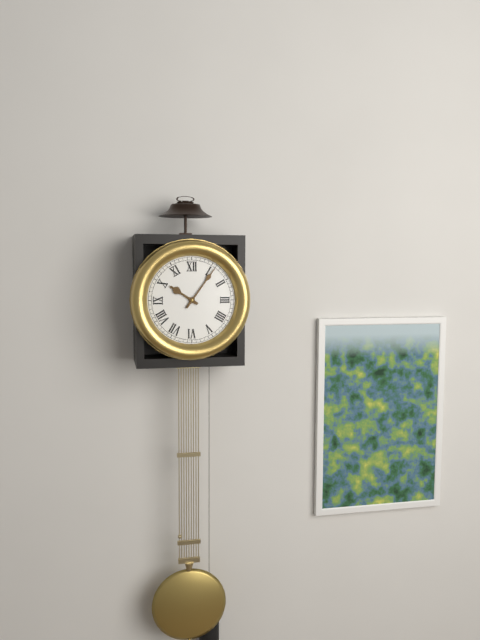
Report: 10:06
